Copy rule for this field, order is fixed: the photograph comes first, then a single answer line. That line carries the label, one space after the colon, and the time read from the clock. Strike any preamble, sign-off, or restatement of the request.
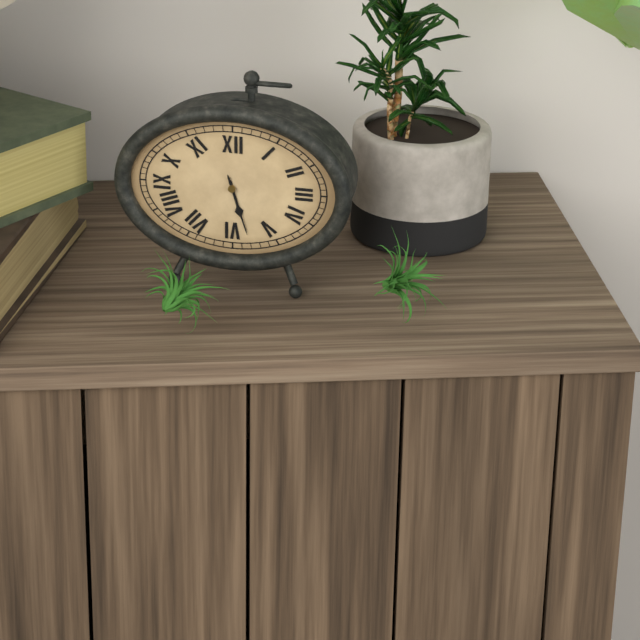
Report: 5:27
